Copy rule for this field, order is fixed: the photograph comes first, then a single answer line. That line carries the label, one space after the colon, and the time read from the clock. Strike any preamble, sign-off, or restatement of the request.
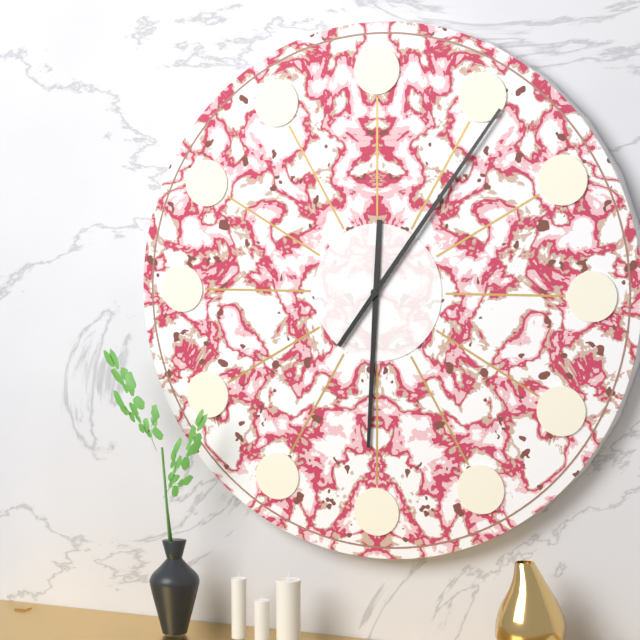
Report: 6:06
